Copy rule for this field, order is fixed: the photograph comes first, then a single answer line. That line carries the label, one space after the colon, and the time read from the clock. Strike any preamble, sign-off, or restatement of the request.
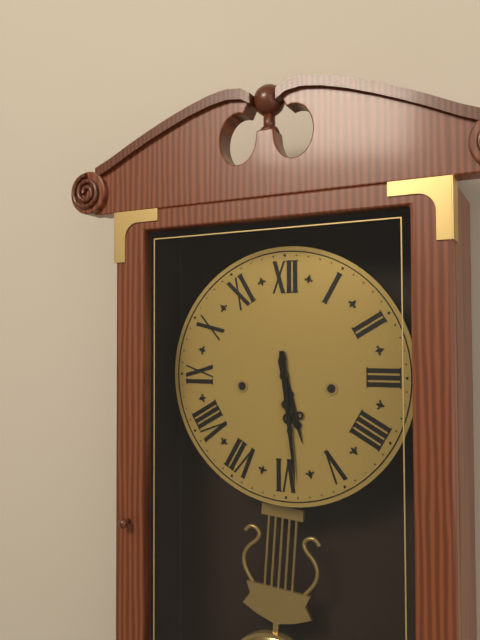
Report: 5:29
